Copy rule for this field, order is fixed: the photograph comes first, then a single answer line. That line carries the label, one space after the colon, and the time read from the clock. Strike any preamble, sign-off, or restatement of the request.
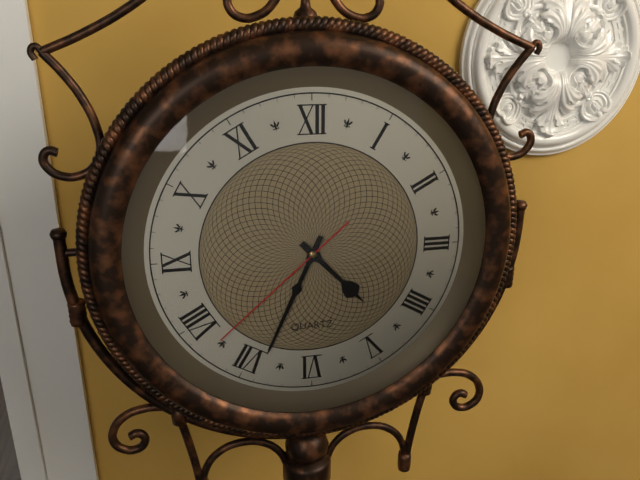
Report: 4:34:38
